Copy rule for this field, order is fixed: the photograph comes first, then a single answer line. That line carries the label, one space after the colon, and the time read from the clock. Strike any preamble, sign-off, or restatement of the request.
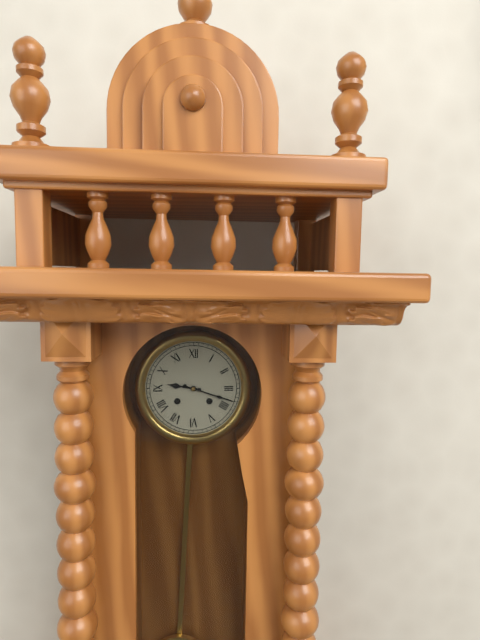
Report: 9:18
